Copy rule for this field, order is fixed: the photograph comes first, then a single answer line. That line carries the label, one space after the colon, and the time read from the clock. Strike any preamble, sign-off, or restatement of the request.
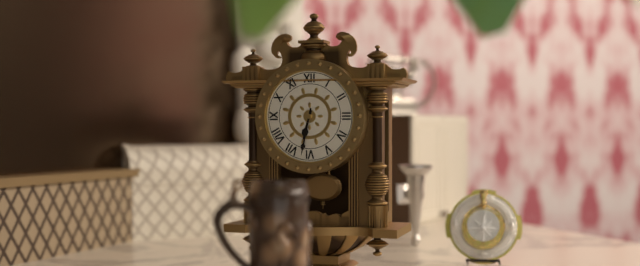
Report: 6:32
